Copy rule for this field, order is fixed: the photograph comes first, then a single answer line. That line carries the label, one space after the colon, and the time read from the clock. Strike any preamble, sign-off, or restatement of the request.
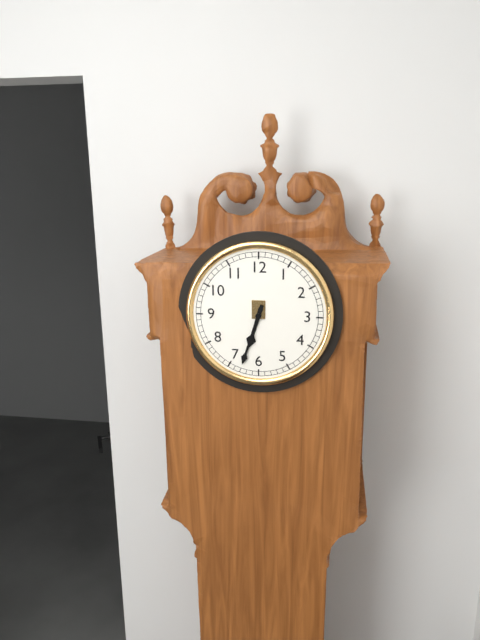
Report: 6:33
